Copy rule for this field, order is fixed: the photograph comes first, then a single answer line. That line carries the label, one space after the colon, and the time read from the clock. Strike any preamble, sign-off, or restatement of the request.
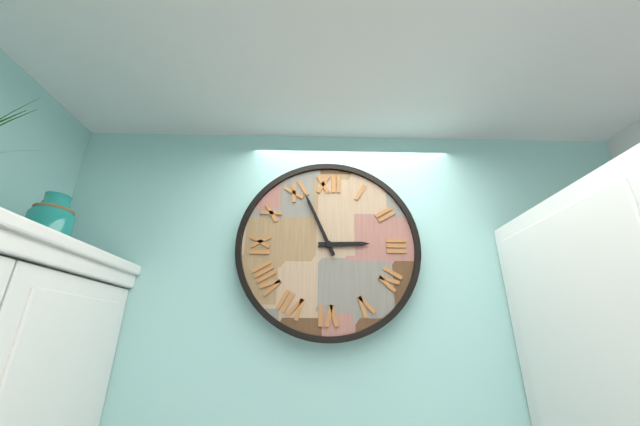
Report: 2:56
